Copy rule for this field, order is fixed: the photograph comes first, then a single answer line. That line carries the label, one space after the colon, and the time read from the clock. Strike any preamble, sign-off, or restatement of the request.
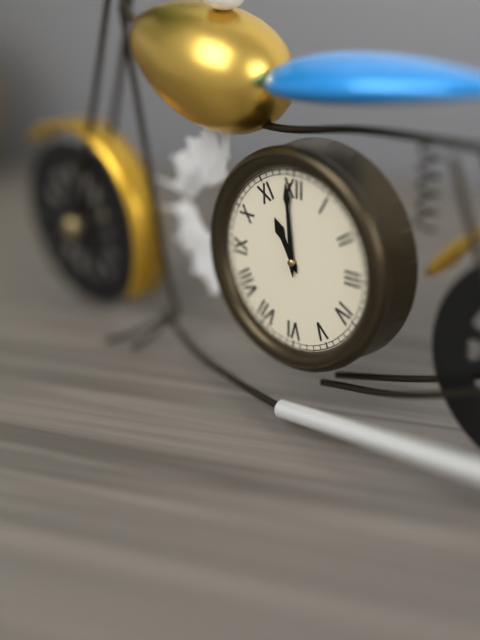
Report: 10:59
